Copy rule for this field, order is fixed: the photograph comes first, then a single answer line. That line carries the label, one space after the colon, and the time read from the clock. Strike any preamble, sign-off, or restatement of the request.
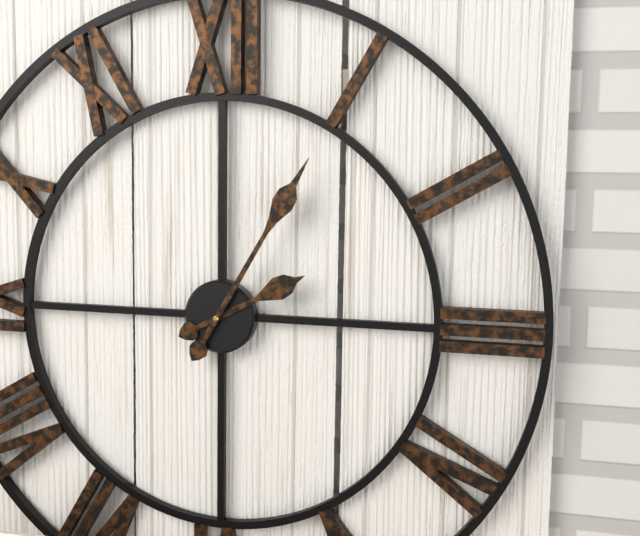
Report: 2:05
